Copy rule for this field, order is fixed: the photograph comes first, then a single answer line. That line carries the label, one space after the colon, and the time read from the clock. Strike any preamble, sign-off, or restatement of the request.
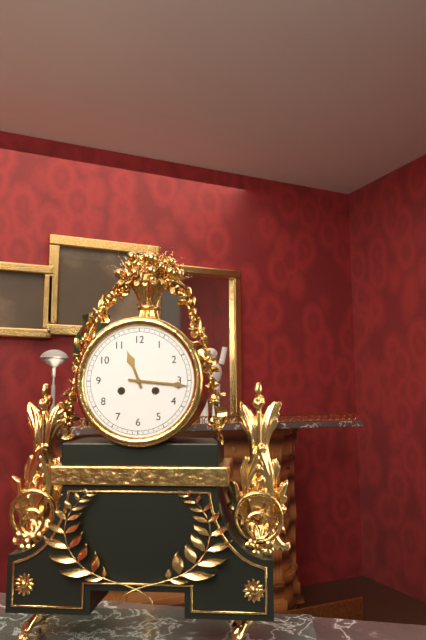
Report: 11:16
